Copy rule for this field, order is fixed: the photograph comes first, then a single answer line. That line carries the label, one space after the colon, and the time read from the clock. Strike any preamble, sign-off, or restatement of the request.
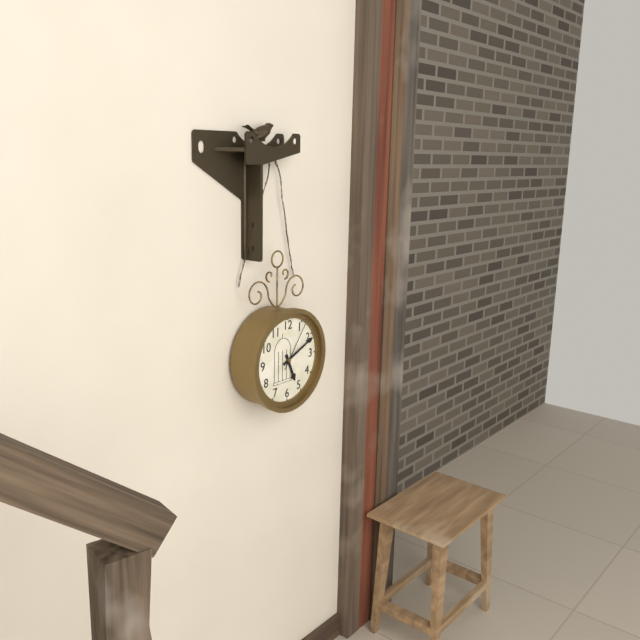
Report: 5:11:06
